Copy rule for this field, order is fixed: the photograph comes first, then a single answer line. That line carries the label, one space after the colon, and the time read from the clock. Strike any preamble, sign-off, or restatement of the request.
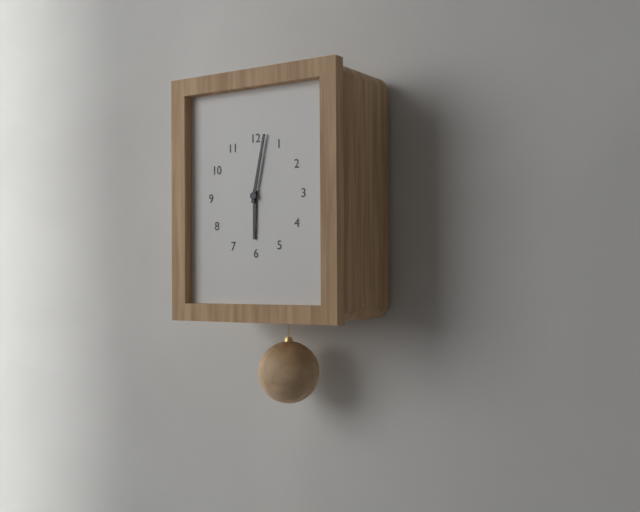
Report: 6:02
